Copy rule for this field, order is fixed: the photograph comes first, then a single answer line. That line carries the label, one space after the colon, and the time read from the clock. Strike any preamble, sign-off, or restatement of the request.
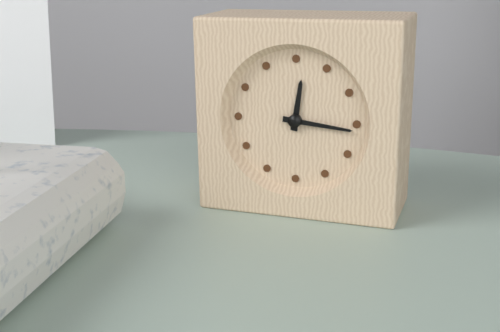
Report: 12:16
